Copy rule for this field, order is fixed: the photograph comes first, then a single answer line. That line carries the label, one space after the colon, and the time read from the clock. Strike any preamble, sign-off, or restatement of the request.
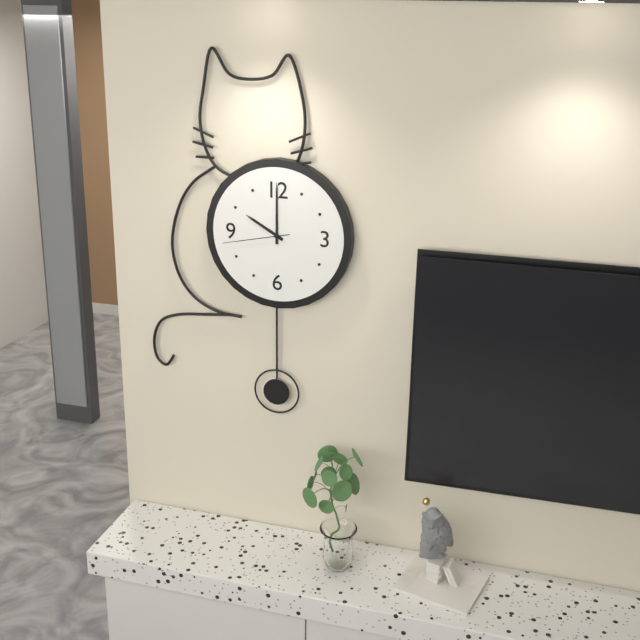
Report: 10:00:43
